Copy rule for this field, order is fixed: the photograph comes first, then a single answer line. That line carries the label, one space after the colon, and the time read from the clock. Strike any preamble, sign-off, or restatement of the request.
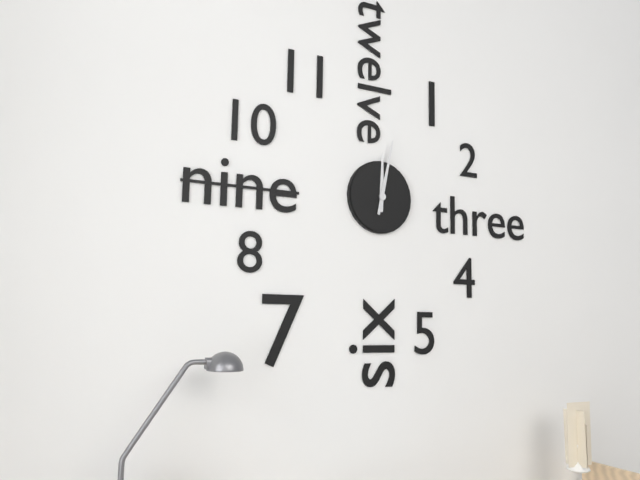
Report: 12:02
